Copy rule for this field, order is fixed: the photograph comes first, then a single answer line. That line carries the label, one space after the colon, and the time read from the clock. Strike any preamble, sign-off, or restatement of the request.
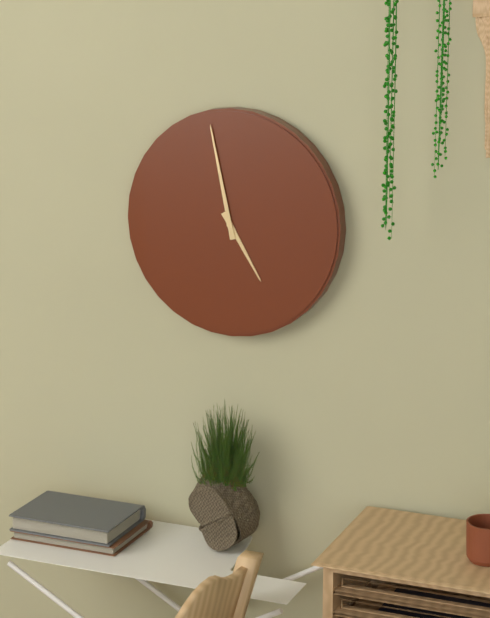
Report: 4:58
